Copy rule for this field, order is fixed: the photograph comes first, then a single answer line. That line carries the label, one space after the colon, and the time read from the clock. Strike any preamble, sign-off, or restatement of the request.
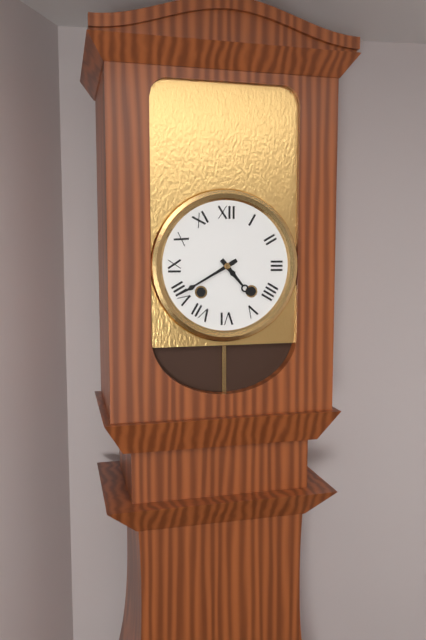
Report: 4:40
